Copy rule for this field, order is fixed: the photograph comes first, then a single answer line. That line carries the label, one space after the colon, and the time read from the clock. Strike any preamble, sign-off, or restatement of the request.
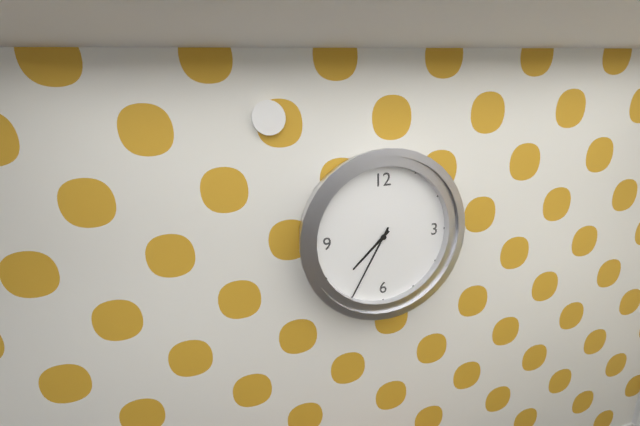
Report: 7:35
